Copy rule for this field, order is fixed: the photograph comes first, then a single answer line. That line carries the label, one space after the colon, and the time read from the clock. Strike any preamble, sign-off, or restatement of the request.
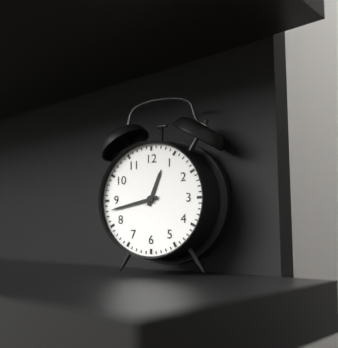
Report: 12:43
